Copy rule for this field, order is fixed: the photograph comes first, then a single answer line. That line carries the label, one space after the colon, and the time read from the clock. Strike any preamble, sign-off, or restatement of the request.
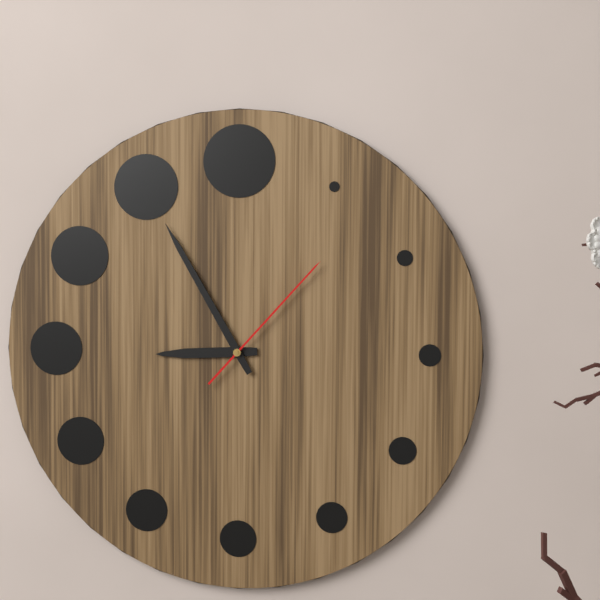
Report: 8:55:07
